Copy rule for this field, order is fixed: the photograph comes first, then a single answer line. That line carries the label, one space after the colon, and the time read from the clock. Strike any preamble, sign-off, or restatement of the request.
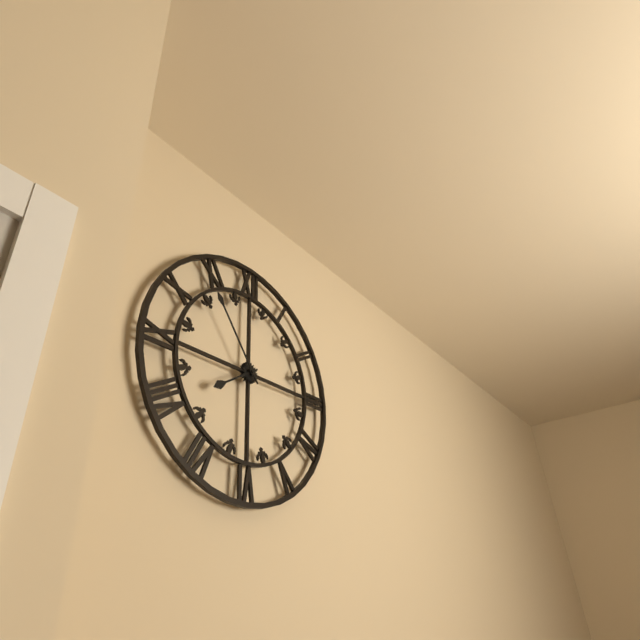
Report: 7:54
